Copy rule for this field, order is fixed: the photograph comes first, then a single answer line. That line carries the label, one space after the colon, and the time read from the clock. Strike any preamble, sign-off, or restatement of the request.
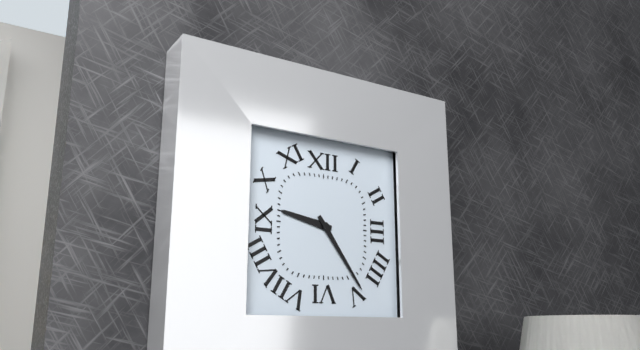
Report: 9:24
